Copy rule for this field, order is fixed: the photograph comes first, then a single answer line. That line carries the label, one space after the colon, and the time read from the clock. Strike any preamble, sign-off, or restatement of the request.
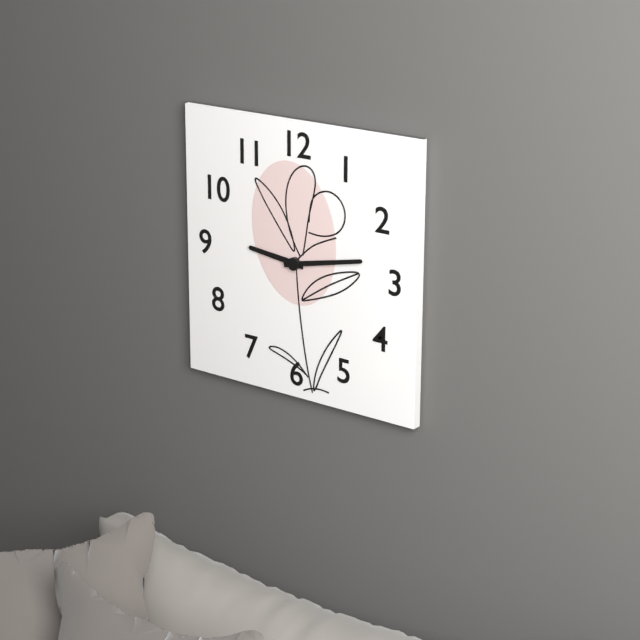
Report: 9:13
